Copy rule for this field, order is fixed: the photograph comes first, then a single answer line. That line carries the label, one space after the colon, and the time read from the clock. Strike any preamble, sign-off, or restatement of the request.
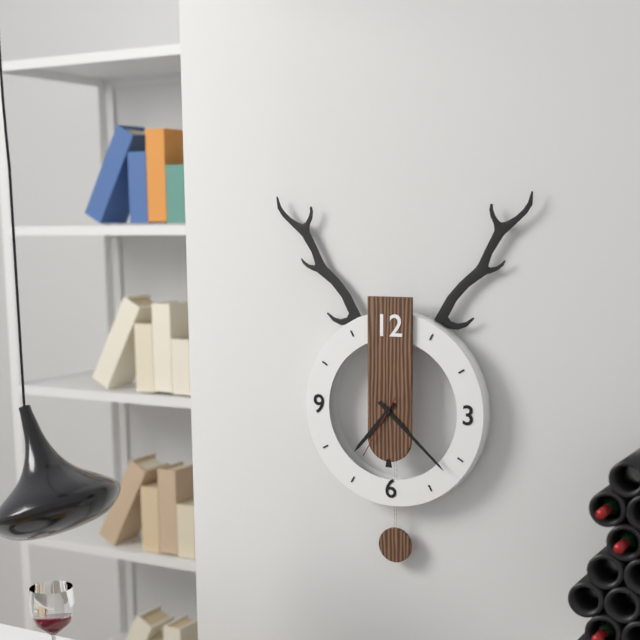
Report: 7:22:35
